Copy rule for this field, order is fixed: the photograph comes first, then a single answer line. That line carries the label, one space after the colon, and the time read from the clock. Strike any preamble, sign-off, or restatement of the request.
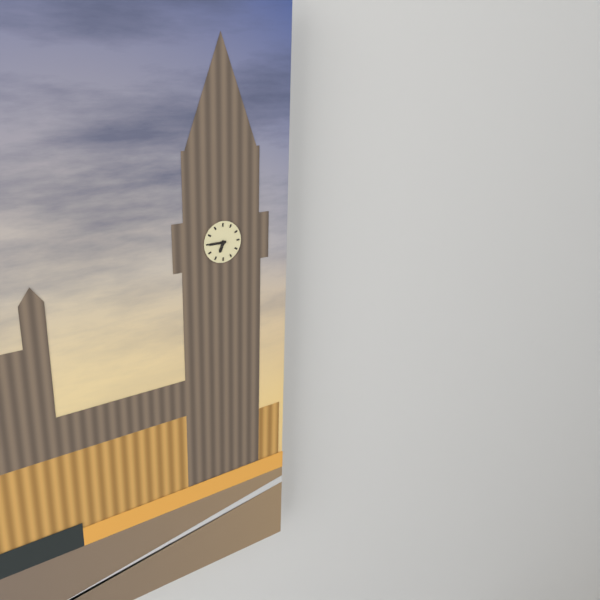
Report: 6:45
